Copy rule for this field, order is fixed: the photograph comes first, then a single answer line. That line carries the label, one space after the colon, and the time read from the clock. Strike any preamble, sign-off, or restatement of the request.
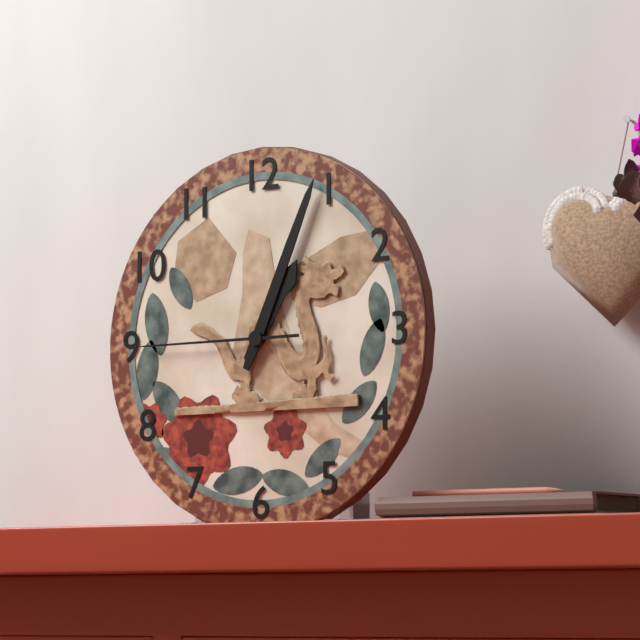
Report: 1:04:45
